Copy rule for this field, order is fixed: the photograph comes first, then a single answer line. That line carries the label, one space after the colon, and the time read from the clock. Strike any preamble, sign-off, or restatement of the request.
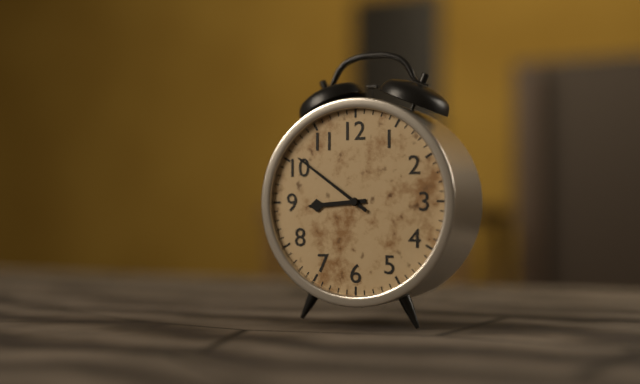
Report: 8:51
